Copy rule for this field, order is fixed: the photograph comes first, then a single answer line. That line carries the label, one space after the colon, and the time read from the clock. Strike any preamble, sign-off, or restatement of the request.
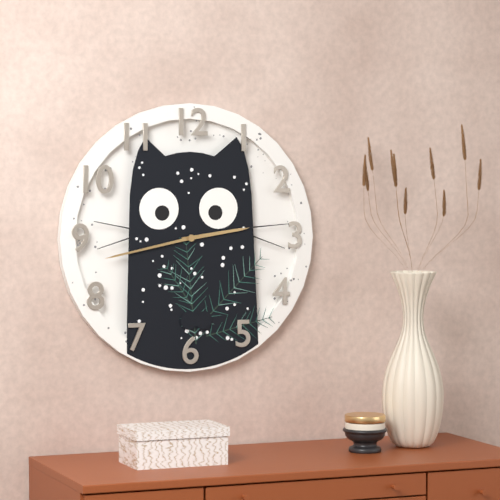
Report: 2:43
